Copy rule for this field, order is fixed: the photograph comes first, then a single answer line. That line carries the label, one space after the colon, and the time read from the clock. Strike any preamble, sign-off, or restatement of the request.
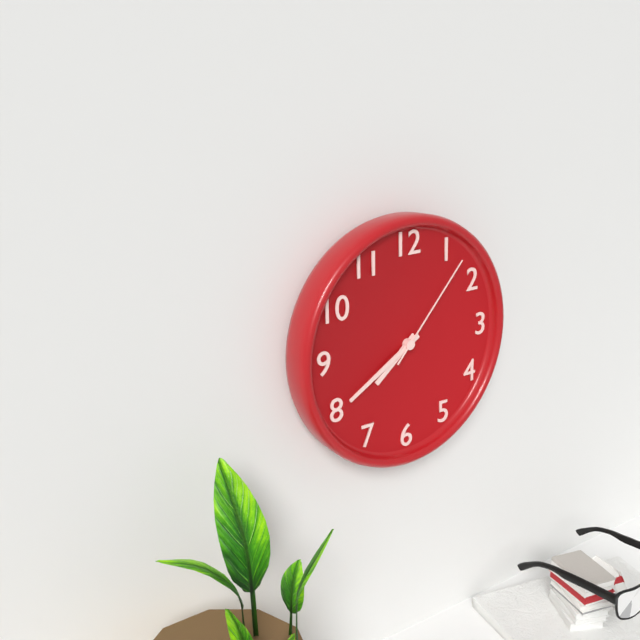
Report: 7:40:07
